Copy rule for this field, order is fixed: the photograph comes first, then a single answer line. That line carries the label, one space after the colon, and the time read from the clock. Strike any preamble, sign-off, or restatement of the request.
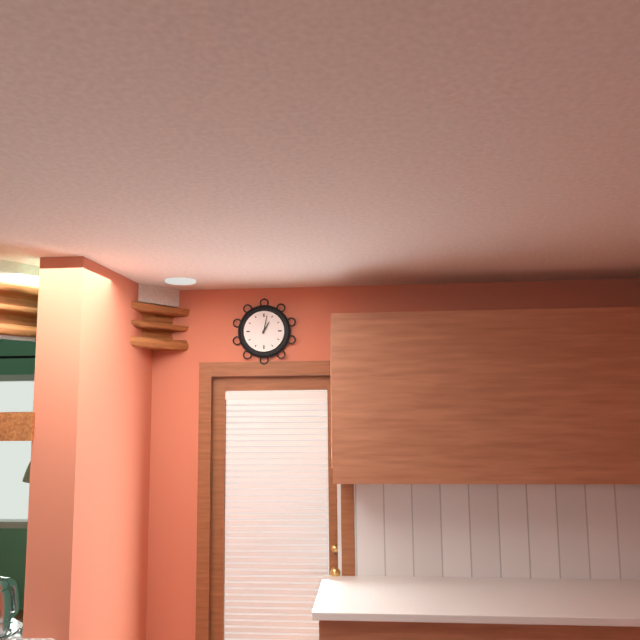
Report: 1:02
